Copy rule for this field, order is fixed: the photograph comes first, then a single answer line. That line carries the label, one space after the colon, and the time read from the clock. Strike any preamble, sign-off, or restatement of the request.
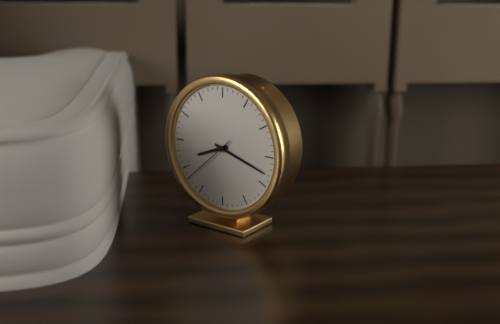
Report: 8:18:38
